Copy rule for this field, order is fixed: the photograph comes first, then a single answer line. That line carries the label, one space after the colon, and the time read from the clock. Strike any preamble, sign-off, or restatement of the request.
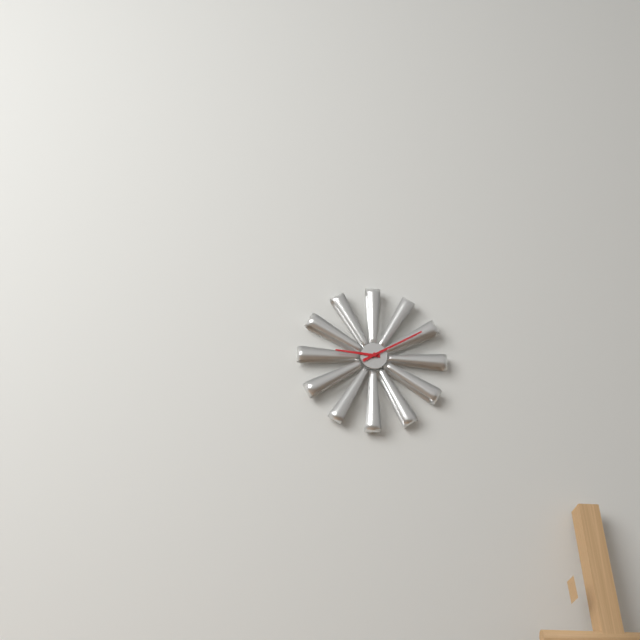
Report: 9:10
